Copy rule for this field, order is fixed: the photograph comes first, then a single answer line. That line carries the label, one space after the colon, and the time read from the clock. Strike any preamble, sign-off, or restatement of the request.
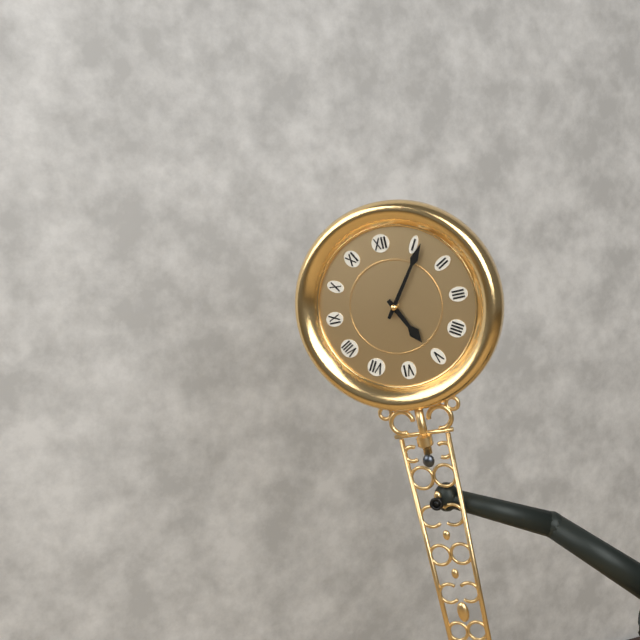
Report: 5:06
